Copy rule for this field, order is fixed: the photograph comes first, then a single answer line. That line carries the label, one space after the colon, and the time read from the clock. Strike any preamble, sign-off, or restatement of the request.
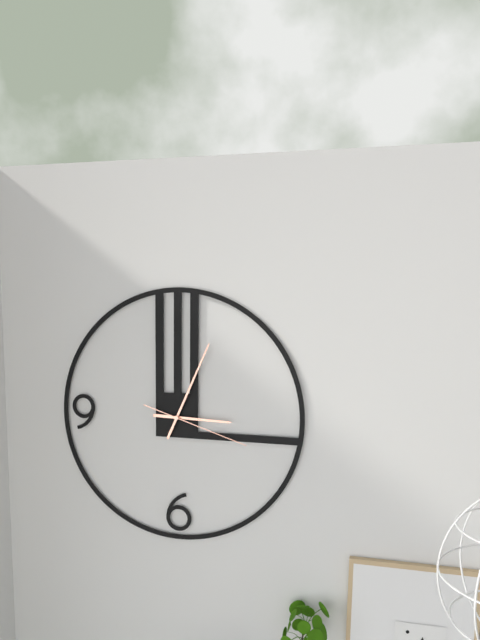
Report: 3:04:18
